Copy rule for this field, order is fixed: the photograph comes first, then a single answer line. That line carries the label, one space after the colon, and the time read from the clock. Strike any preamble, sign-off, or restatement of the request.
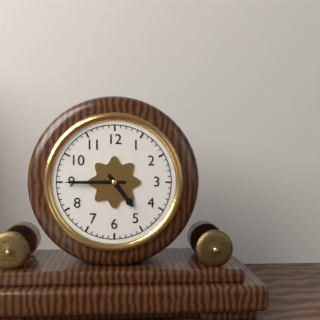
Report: 4:45
